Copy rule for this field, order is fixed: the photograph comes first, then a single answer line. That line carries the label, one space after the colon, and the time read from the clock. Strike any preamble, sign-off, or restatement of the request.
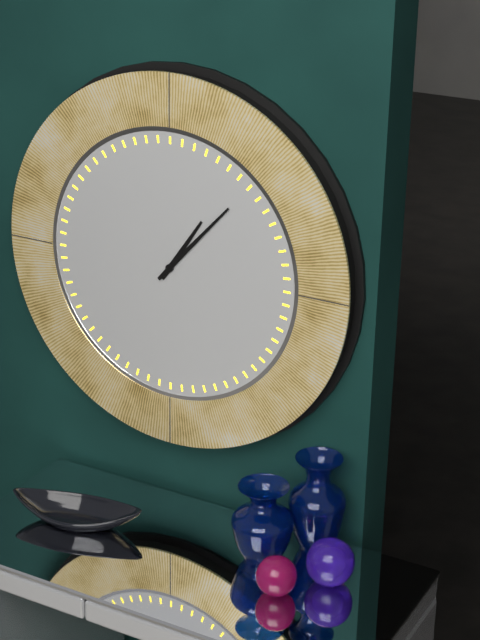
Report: 1:07
